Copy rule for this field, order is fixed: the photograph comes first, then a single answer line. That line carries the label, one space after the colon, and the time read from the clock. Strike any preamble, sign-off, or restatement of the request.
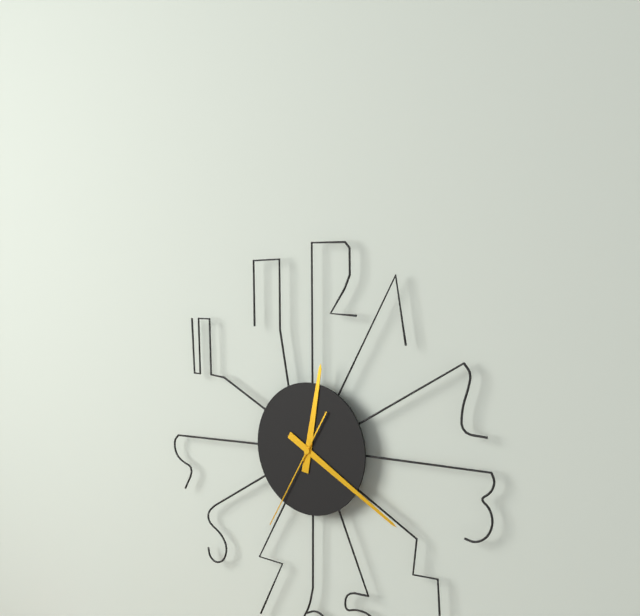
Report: 12:20:35
